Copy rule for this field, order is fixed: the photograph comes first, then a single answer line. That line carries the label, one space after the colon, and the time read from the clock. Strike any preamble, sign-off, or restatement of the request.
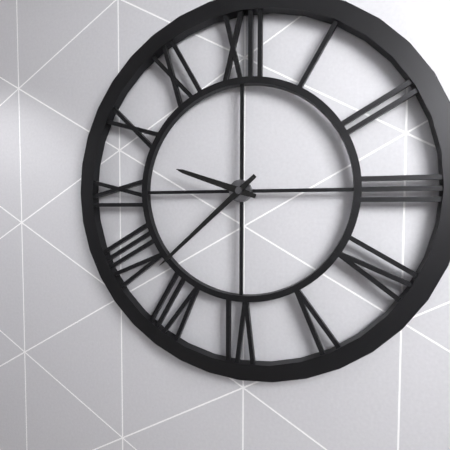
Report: 9:38
